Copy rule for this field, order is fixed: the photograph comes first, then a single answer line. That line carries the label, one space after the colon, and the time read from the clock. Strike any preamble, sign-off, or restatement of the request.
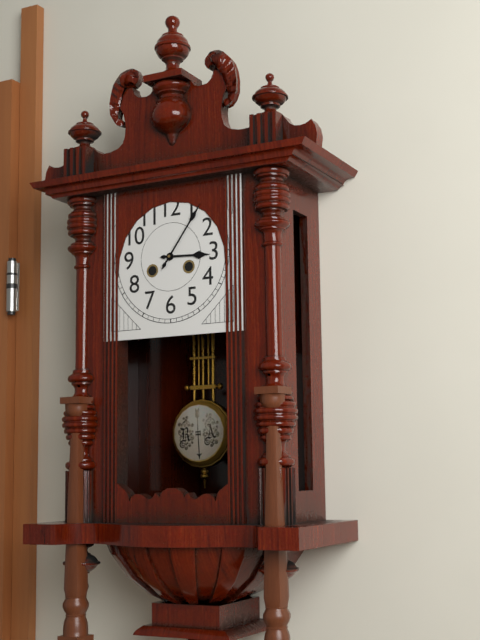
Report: 3:06
